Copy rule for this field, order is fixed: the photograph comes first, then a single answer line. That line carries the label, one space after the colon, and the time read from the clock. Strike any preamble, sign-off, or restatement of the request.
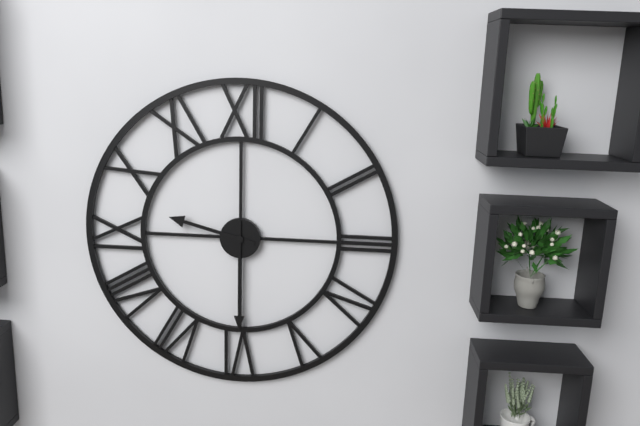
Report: 9:30
